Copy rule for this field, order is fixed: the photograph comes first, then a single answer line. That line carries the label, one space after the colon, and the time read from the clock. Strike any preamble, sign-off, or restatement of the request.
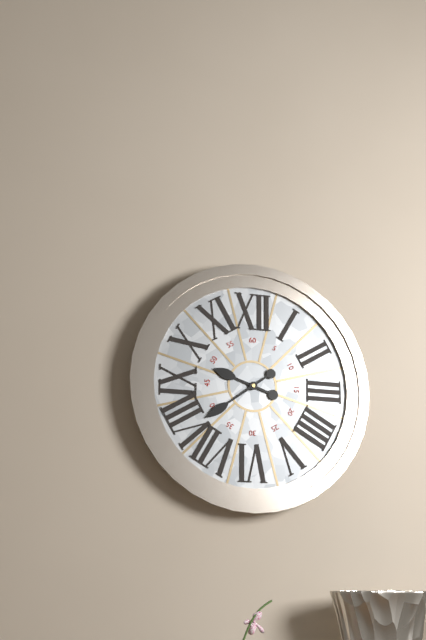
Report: 9:39
